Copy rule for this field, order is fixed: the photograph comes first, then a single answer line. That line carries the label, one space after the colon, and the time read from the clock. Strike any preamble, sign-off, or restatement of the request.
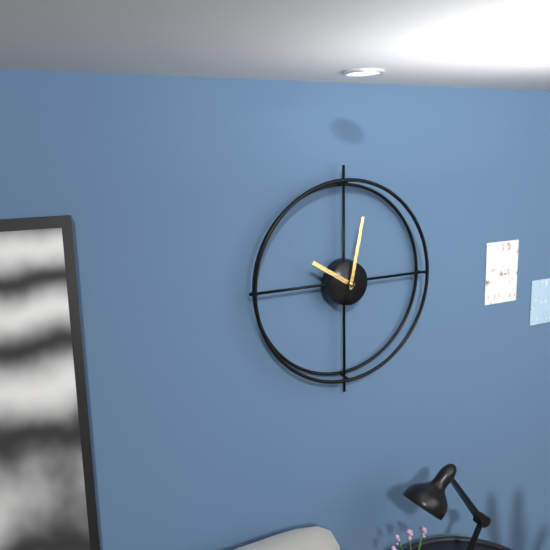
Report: 10:02
